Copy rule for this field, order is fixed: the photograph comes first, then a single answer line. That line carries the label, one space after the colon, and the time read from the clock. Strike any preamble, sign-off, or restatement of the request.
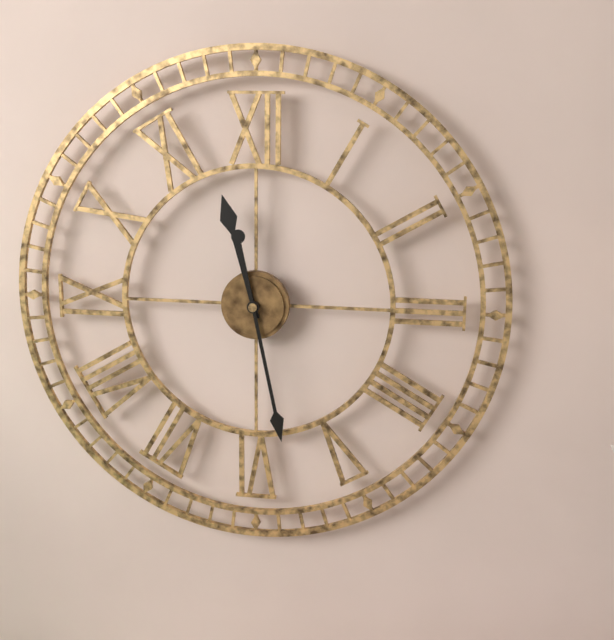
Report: 11:28
